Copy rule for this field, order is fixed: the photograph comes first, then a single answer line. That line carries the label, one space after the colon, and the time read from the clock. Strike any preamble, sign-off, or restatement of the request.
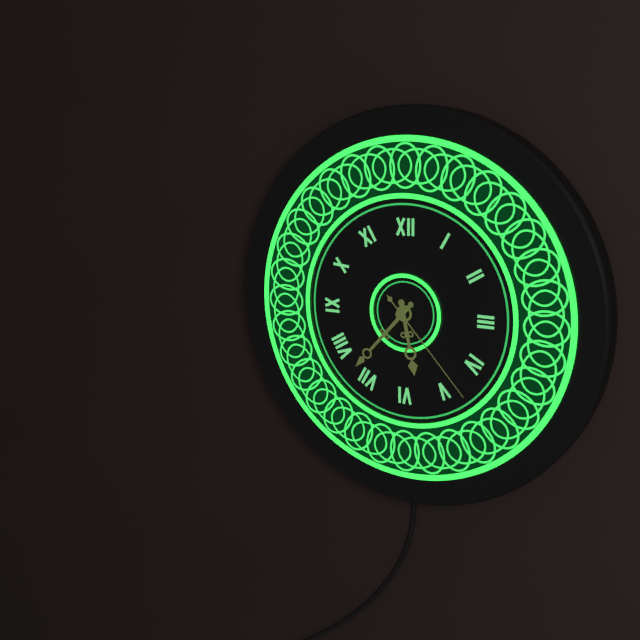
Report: 5:37:23
